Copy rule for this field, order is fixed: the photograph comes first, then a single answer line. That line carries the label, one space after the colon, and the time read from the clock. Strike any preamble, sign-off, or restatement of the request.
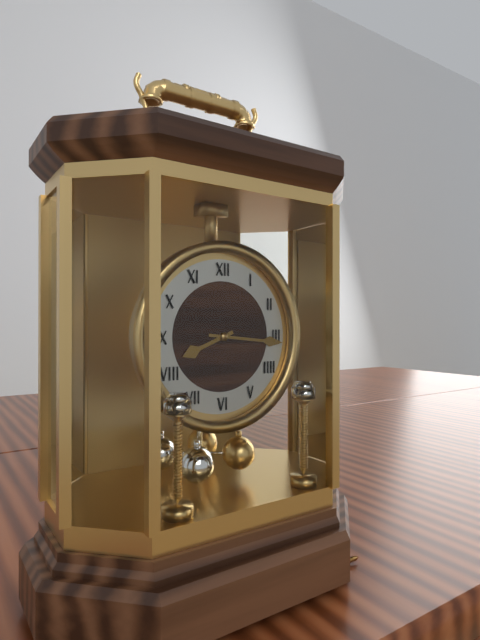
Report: 8:16
